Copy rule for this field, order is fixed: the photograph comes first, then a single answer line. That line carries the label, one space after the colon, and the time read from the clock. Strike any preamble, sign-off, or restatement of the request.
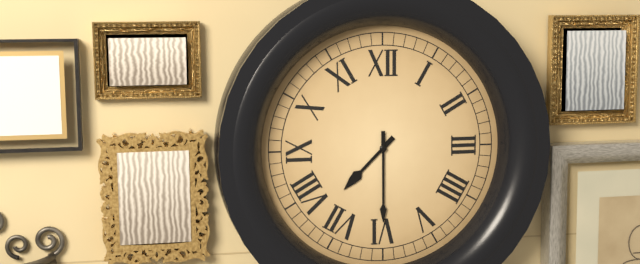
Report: 7:30
